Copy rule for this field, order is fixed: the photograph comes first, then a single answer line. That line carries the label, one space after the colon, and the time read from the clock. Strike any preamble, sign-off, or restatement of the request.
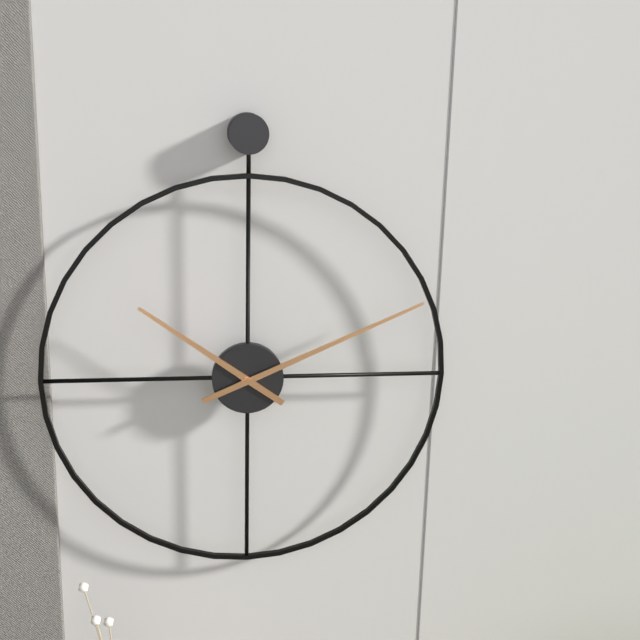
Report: 10:11
